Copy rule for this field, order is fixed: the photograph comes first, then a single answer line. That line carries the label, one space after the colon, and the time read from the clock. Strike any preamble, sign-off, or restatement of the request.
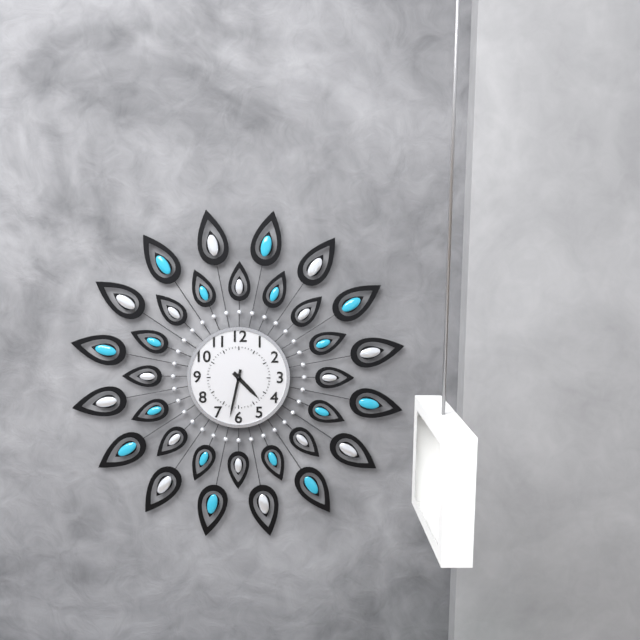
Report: 4:32
